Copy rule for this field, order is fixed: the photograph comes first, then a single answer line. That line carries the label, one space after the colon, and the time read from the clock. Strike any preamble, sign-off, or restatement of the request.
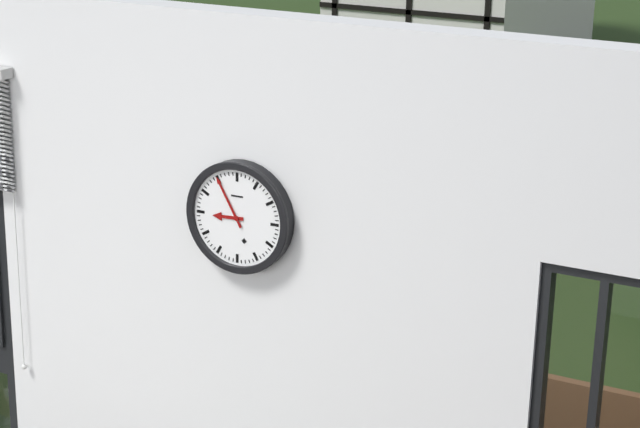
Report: 8:55
